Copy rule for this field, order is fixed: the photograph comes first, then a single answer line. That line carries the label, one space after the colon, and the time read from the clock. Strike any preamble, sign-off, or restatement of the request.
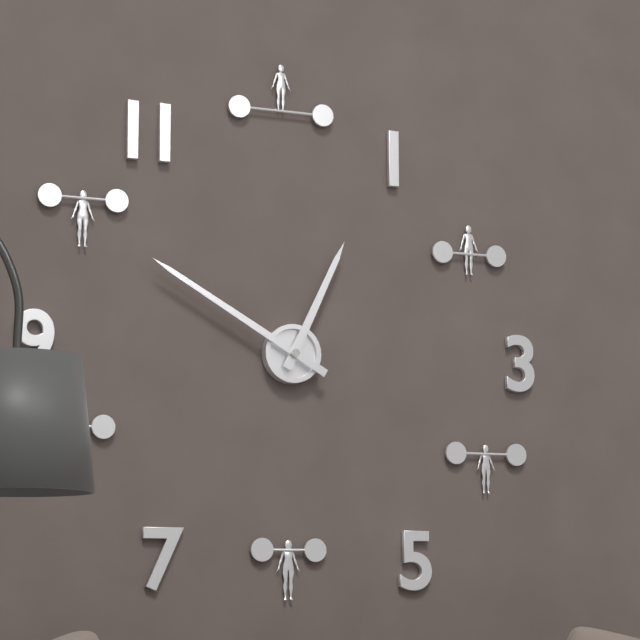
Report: 12:50
